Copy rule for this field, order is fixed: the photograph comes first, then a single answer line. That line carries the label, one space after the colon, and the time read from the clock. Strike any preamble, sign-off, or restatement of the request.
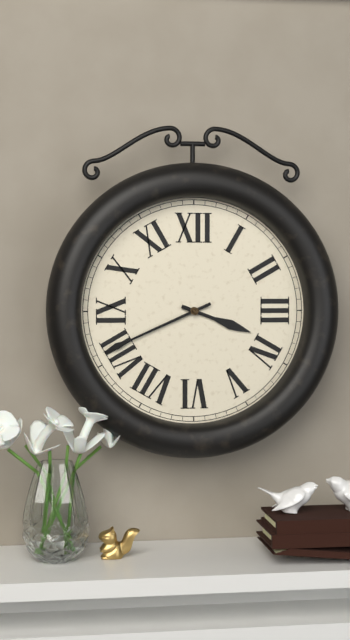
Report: 3:41
